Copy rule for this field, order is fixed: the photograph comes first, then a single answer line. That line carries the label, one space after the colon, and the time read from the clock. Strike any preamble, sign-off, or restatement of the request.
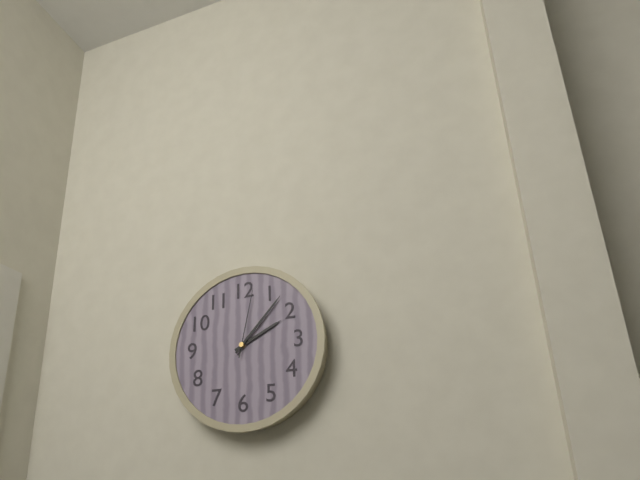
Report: 2:07:02
